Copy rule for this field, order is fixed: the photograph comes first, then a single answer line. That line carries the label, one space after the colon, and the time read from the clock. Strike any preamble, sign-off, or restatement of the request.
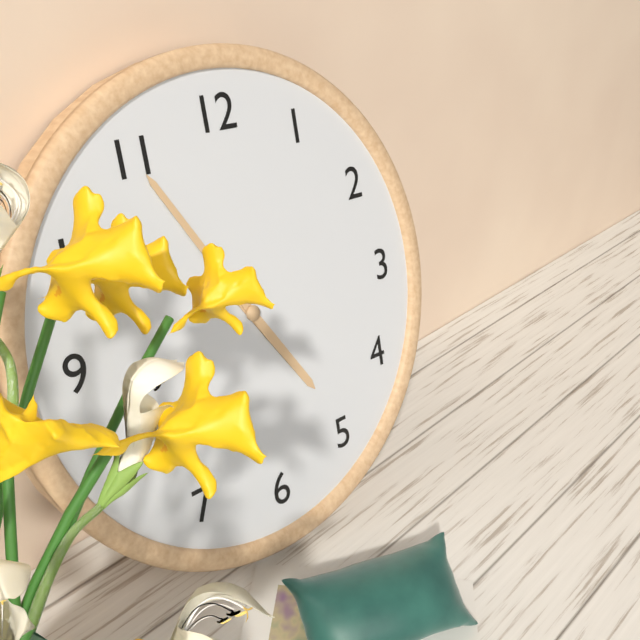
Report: 4:55
